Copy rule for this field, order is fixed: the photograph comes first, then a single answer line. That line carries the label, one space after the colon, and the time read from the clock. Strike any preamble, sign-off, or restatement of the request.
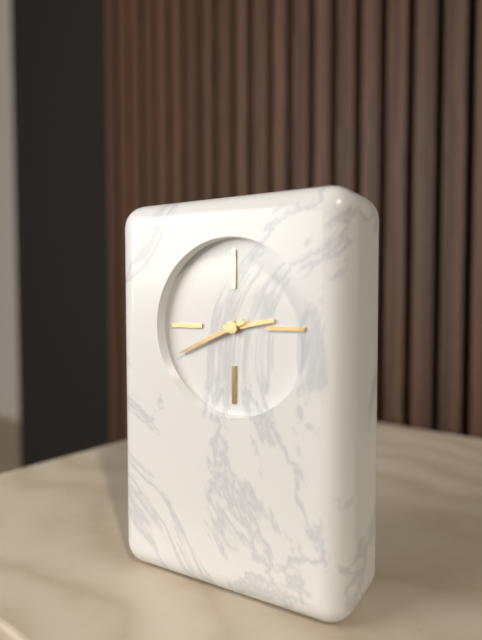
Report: 2:41
